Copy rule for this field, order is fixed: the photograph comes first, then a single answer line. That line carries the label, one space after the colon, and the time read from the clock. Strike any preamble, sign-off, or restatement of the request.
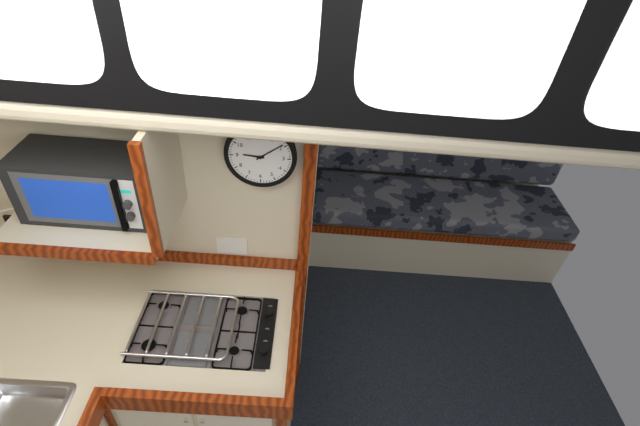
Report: 9:09
